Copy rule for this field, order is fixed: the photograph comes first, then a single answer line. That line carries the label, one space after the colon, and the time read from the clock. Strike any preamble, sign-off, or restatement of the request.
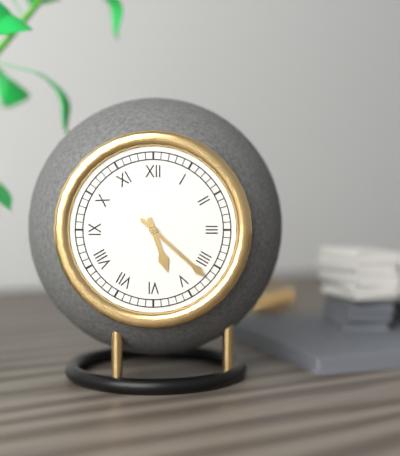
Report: 5:22
